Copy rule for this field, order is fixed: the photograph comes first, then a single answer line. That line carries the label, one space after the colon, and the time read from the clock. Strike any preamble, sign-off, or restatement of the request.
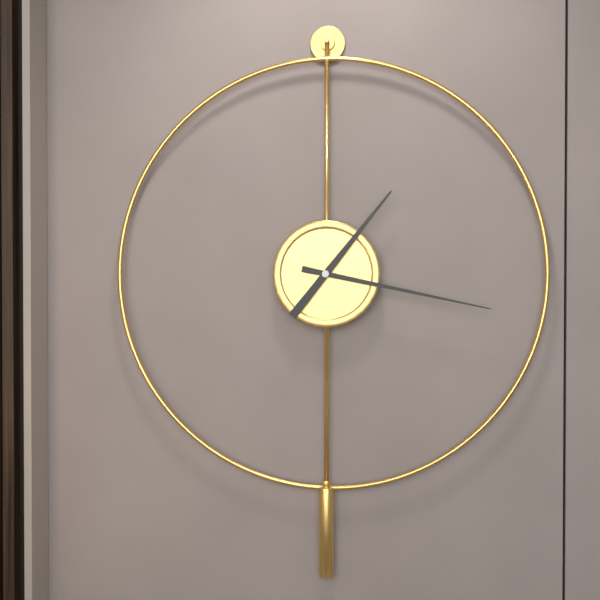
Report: 1:17
